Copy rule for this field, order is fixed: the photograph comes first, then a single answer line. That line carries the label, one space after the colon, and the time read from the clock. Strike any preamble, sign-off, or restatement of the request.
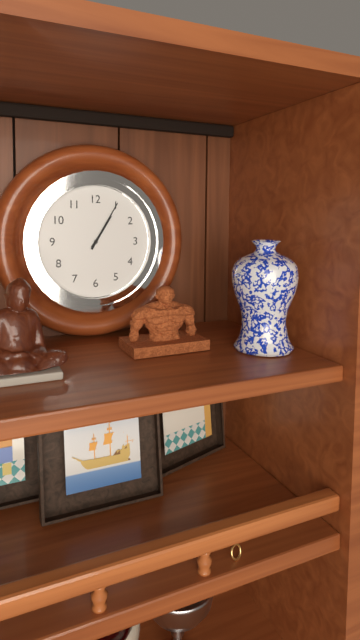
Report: 1:05
